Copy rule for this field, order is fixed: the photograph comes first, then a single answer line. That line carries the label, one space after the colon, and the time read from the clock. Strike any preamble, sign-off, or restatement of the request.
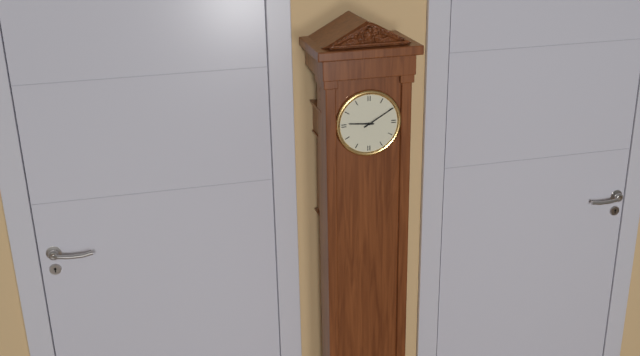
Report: 9:10
